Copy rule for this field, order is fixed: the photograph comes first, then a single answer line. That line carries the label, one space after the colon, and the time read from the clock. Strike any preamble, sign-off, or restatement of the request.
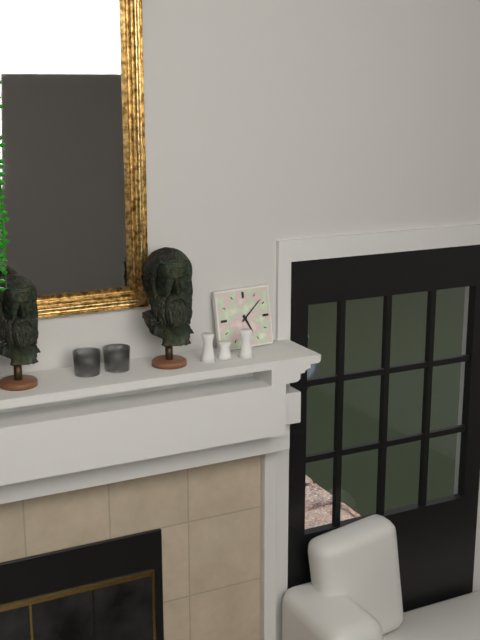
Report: 5:08
